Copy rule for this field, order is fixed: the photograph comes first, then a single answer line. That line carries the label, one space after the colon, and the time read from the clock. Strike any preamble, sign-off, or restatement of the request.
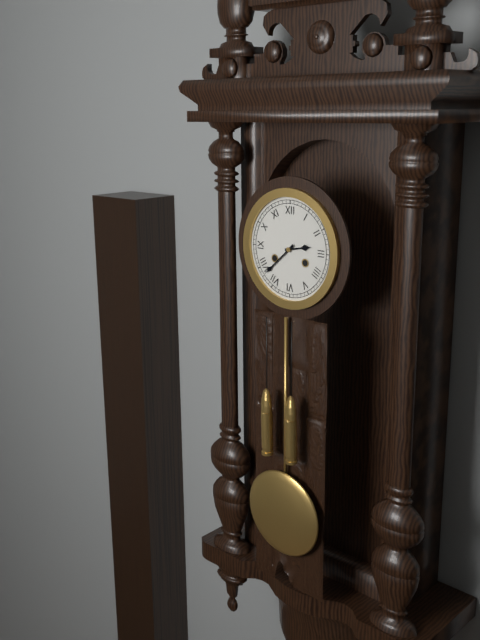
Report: 2:38
